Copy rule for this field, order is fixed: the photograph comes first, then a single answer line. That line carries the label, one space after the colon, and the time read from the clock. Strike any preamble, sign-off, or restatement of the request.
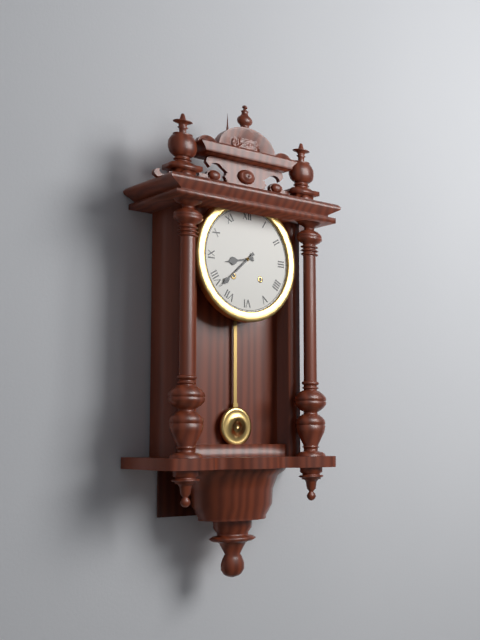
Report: 8:38
